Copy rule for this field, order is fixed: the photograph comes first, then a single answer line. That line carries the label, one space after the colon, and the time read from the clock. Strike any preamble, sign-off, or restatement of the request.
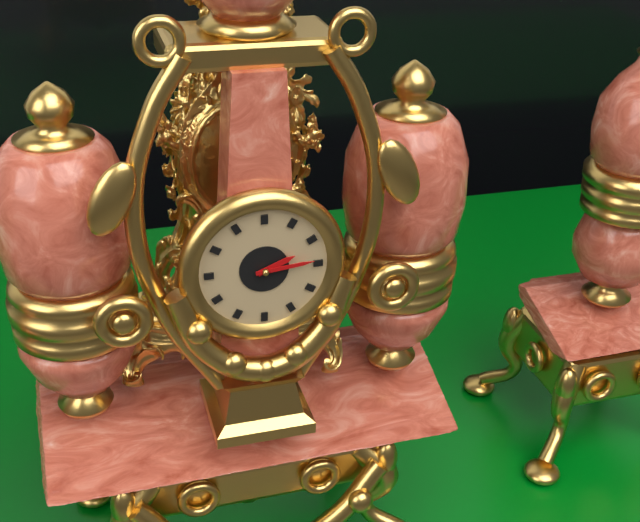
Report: 2:14
